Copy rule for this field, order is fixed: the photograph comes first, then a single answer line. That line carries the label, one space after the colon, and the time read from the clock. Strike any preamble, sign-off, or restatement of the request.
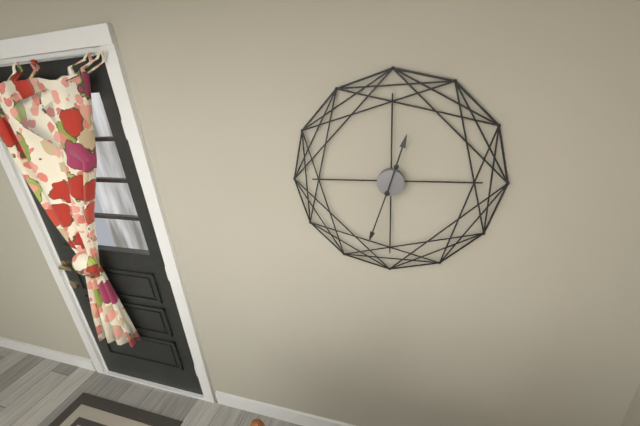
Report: 12:33
